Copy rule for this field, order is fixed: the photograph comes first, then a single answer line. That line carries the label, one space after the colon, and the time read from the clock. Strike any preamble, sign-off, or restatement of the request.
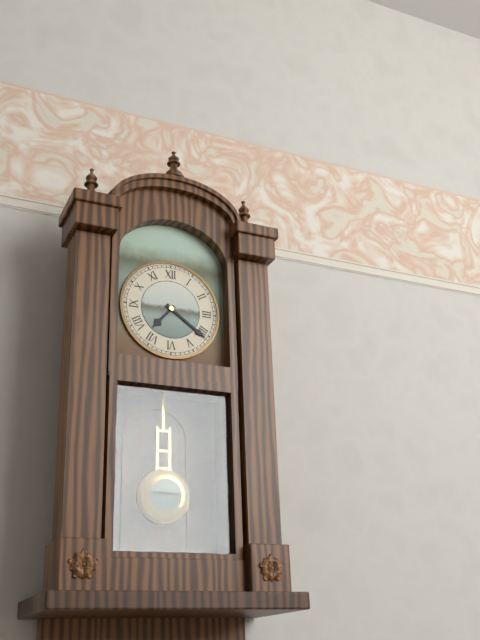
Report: 7:21
